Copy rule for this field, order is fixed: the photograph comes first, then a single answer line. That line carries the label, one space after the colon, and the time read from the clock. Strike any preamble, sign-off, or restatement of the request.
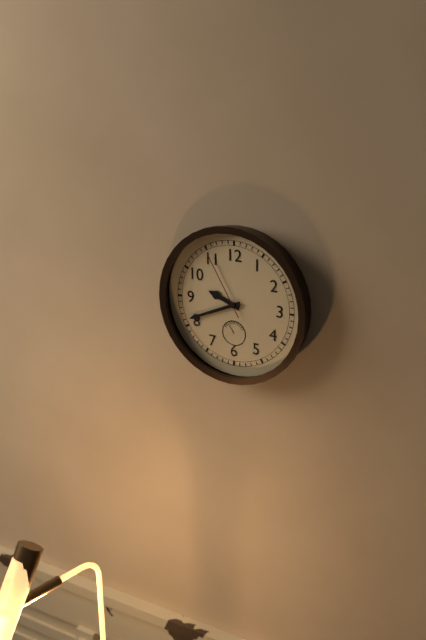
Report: 9:41:55
